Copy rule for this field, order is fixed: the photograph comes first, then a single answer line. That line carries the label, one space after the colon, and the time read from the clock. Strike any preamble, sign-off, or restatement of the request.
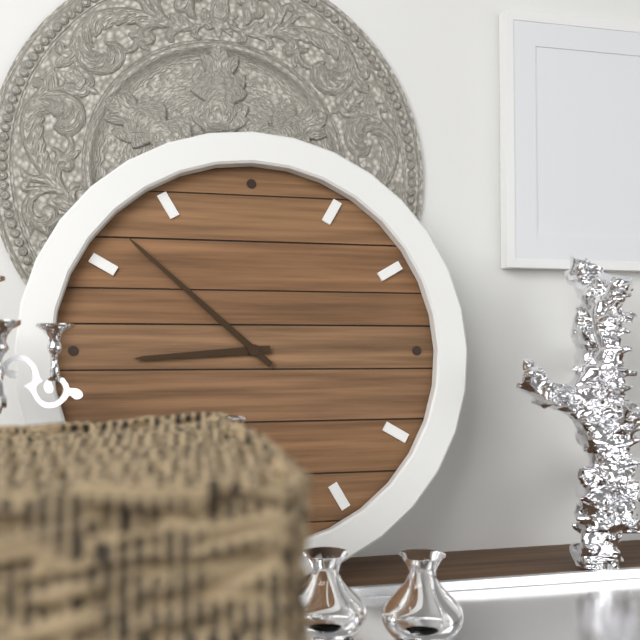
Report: 8:52
